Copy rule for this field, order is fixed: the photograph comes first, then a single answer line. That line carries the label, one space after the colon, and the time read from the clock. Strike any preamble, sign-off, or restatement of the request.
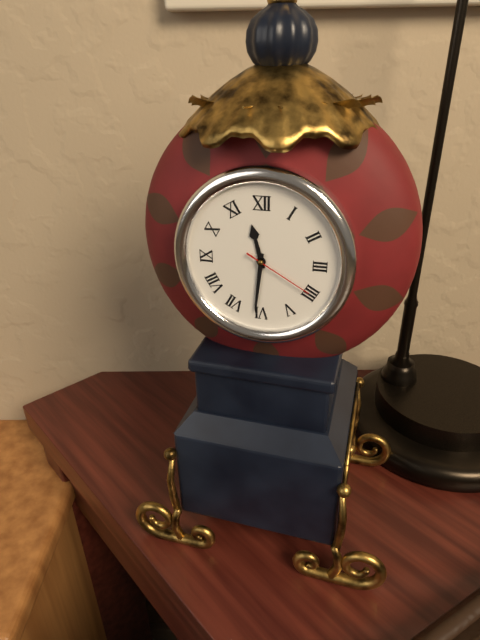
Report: 11:31:20
